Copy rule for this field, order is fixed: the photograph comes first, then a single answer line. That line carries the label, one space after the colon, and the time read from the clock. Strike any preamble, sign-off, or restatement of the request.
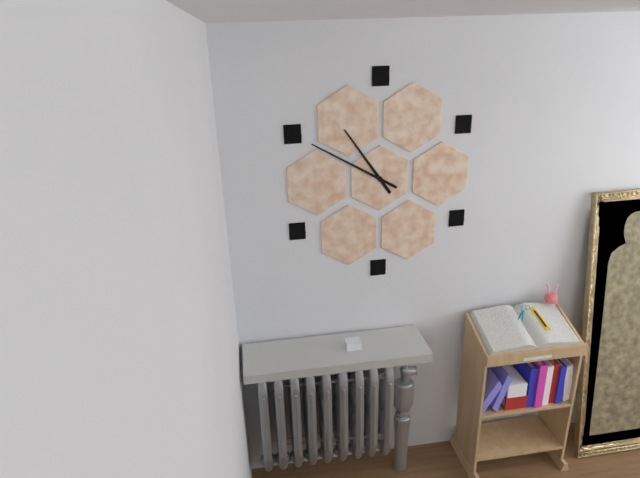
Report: 10:50
